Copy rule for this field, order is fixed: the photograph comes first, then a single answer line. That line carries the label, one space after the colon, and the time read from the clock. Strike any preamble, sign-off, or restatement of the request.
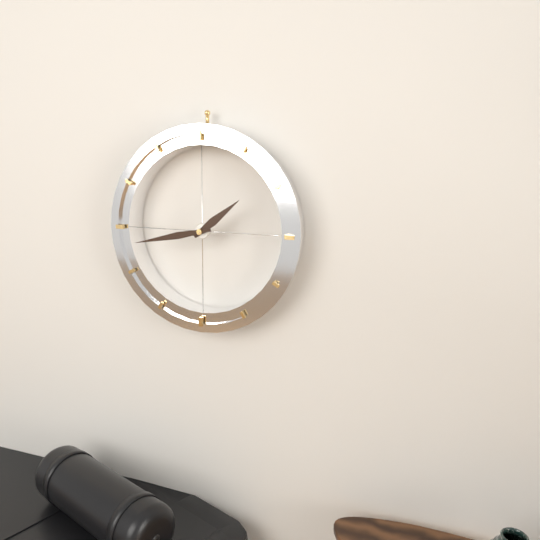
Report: 1:43
